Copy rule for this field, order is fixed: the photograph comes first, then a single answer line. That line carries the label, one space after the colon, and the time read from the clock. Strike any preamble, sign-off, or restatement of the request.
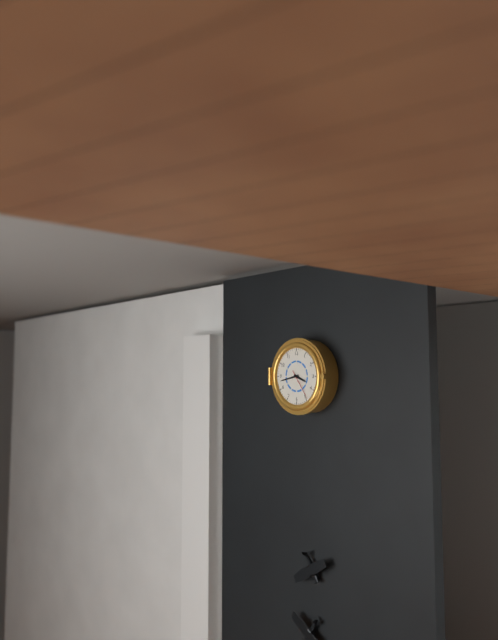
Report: 3:43
